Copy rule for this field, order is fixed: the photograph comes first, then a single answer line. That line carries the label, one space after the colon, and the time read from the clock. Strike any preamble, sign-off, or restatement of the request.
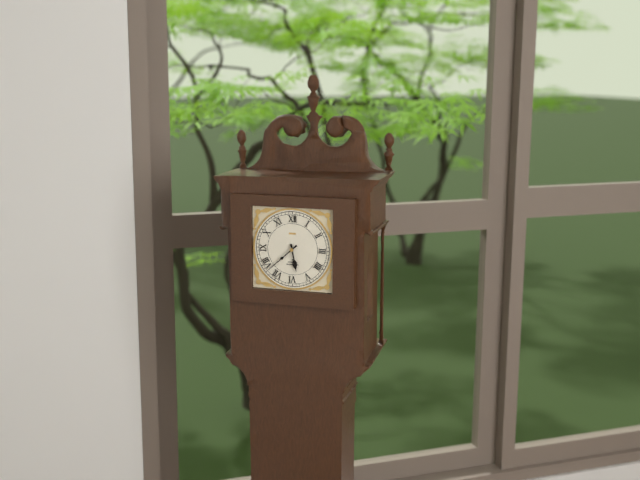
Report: 5:38
